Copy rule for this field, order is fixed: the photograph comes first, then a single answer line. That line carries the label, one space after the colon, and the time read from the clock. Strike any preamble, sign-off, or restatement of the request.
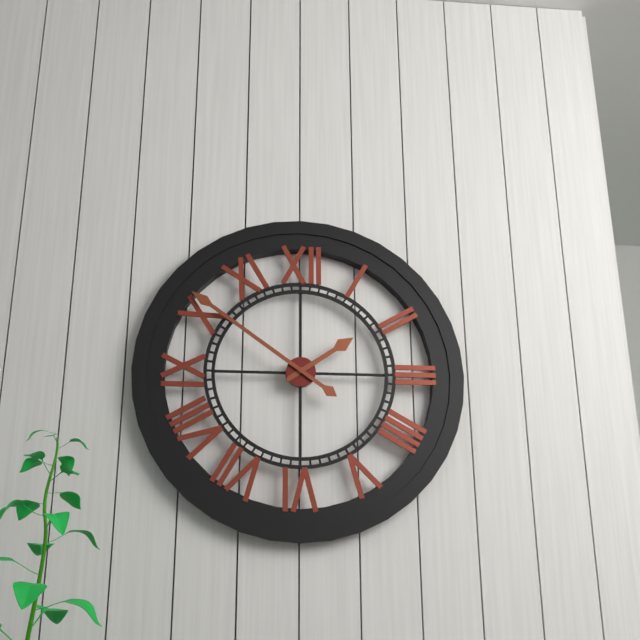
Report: 1:51
